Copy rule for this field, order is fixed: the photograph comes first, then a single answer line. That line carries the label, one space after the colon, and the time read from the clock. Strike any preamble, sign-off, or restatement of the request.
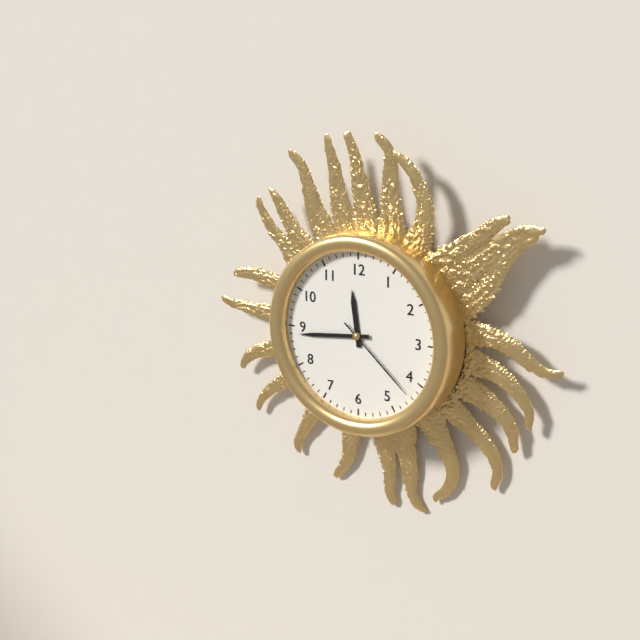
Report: 11:44:22
